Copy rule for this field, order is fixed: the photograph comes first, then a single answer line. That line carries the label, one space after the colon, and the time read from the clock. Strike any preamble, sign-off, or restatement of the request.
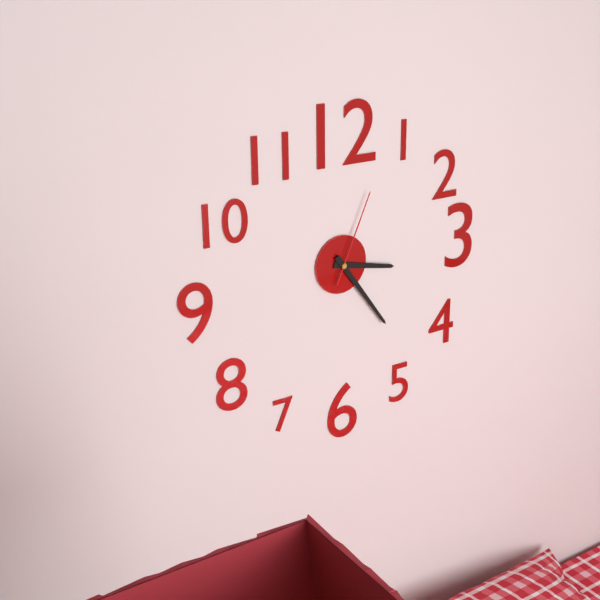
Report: 3:24:04
